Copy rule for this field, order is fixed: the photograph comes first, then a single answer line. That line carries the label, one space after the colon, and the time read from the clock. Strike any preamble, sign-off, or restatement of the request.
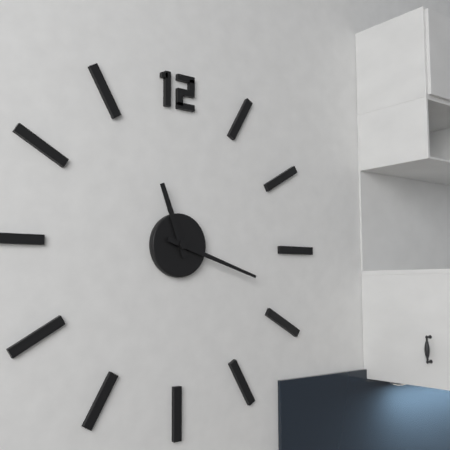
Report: 11:18
